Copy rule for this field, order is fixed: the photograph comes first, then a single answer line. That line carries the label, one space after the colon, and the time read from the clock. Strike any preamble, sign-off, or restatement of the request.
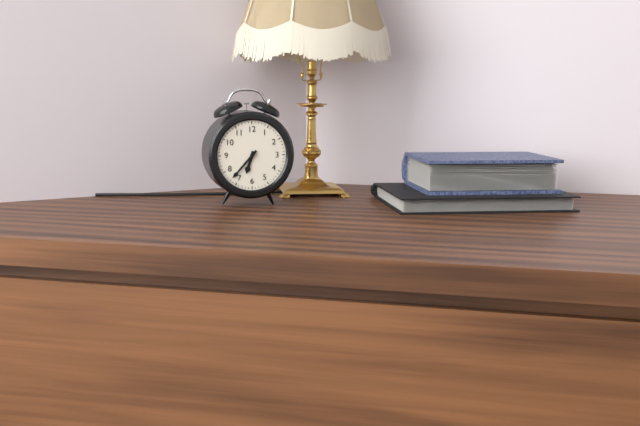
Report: 6:37
